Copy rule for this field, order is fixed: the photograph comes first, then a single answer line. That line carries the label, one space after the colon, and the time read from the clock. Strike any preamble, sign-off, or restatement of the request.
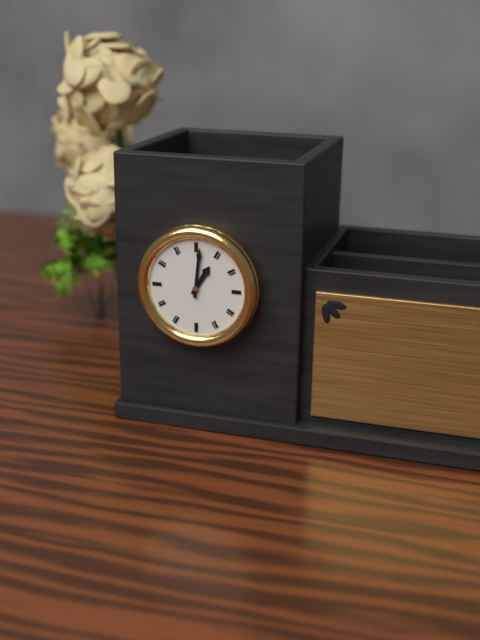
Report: 1:01
